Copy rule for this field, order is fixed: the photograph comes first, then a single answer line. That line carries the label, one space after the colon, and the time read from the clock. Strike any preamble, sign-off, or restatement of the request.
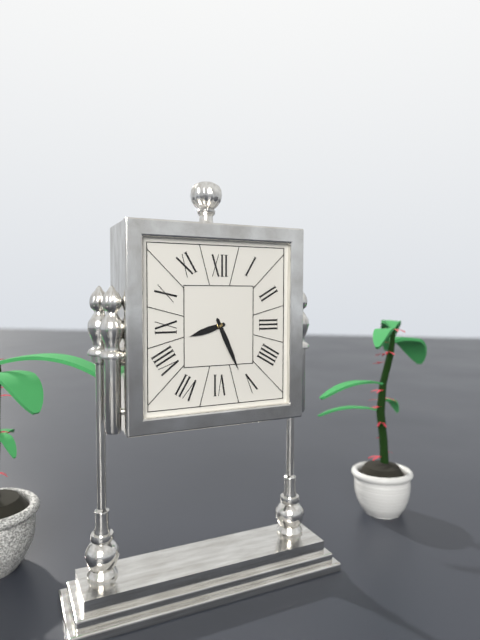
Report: 8:26
